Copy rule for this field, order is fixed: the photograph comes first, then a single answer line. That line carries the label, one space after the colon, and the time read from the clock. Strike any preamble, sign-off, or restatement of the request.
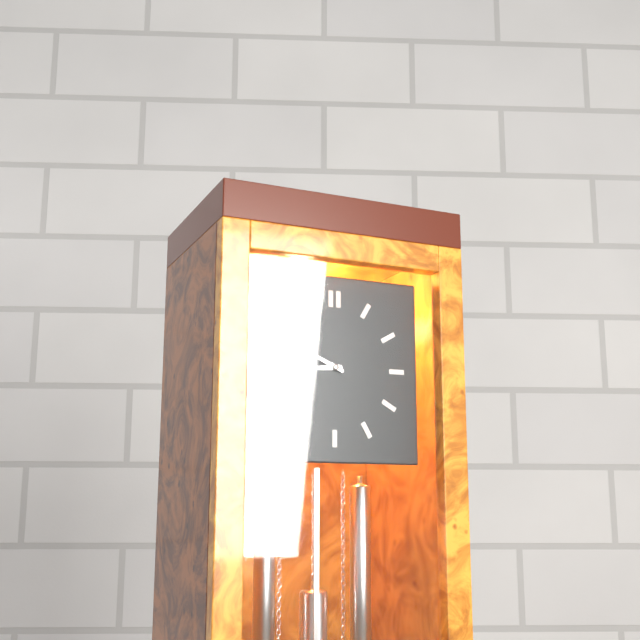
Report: 8:49
